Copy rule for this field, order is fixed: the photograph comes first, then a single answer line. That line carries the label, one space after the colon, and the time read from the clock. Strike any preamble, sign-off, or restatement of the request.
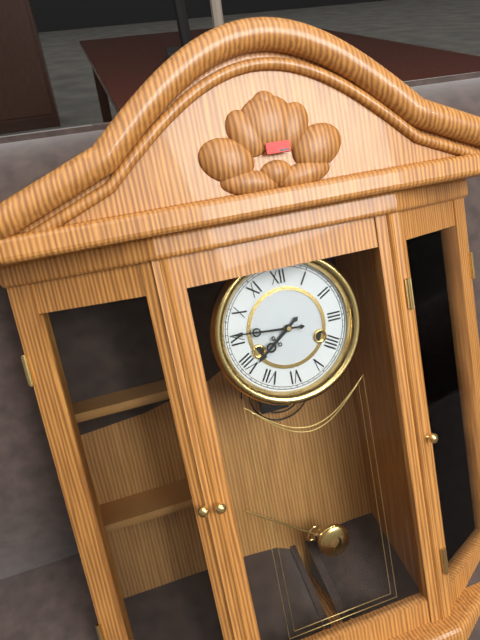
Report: 7:46
